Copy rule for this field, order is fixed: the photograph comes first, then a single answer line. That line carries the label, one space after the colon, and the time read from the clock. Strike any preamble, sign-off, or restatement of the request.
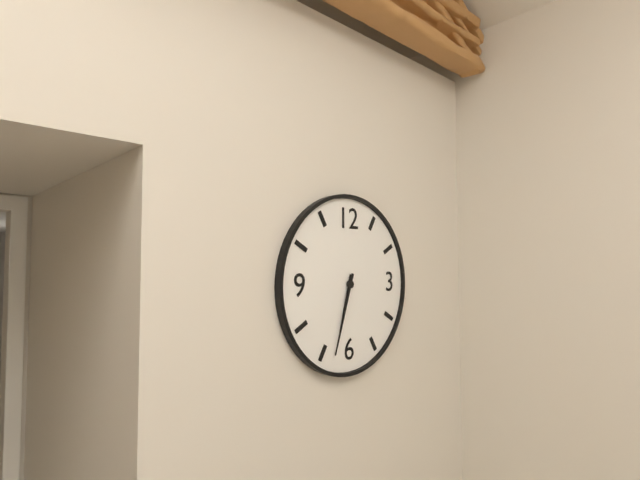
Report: 6:33
